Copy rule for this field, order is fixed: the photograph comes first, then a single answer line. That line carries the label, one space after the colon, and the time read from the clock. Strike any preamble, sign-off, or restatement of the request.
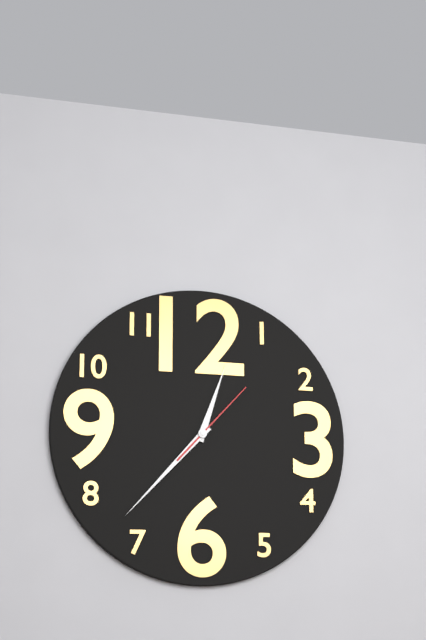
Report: 12:37:07
